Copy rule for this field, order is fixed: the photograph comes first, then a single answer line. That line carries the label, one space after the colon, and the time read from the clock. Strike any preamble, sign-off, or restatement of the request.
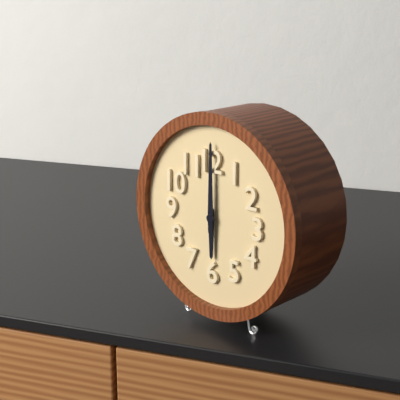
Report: 6:00
